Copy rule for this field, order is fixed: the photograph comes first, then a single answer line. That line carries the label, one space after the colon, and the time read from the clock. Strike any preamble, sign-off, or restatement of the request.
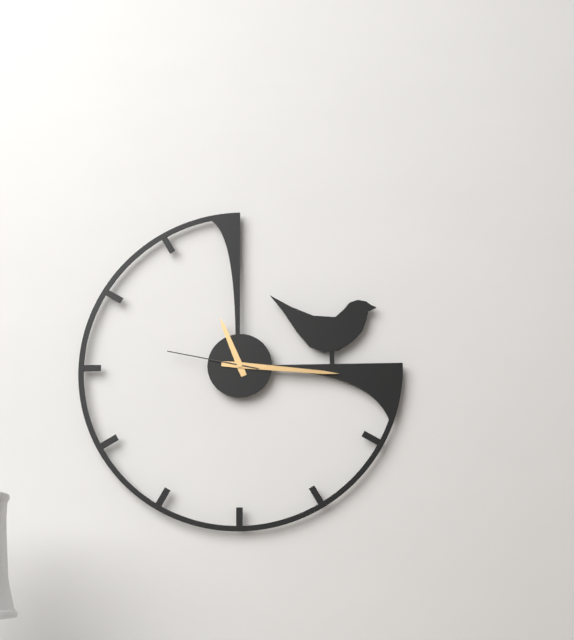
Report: 11:16:47
